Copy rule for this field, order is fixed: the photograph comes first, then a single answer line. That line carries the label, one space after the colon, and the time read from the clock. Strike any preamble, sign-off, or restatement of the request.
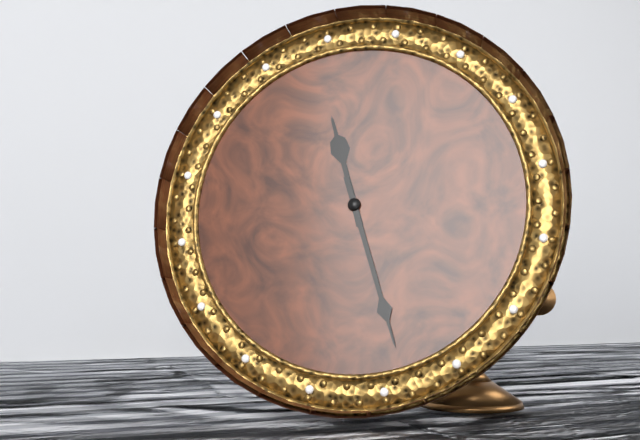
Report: 11:27
